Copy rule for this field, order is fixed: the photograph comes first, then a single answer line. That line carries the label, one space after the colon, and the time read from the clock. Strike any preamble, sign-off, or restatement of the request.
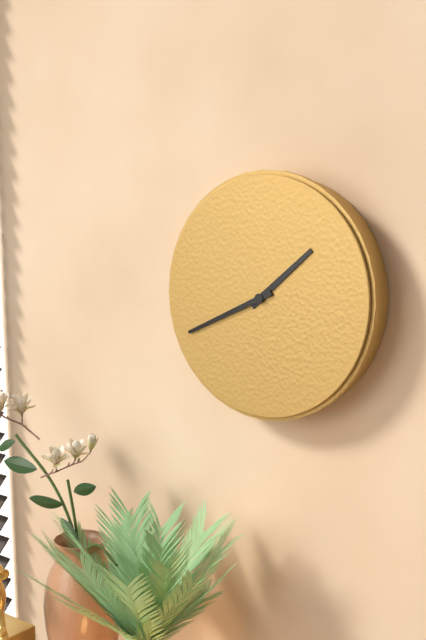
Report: 1:41
